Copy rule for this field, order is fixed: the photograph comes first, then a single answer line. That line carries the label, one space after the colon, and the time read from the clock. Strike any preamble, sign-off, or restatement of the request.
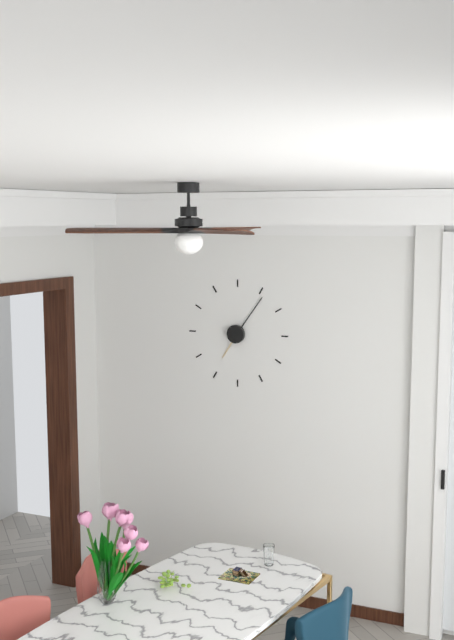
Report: 7:06
